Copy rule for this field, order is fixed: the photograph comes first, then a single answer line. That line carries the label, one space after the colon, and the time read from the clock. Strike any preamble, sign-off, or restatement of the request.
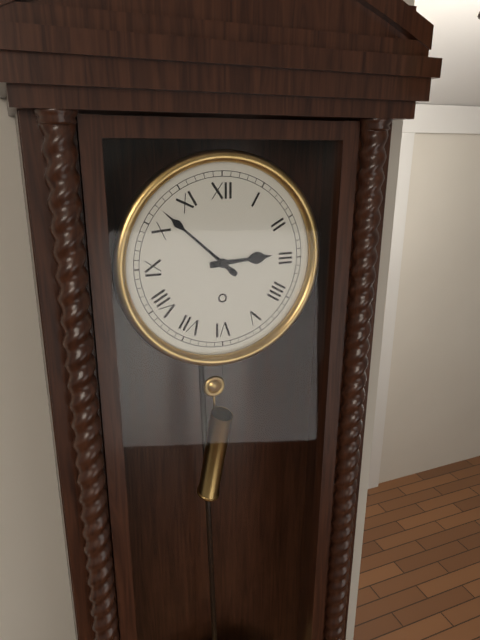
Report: 2:52
